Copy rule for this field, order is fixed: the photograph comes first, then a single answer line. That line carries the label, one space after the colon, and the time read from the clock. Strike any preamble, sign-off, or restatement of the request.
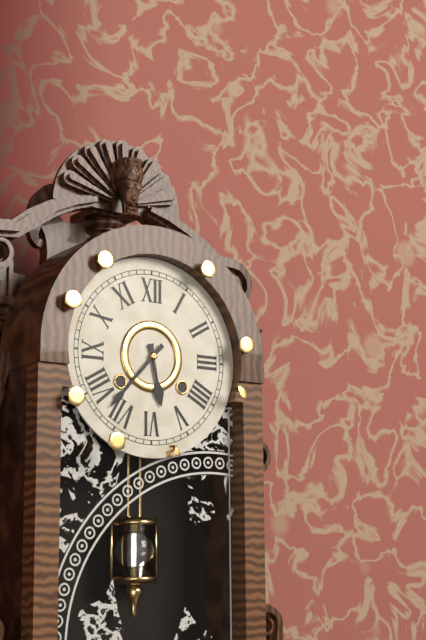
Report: 5:37
